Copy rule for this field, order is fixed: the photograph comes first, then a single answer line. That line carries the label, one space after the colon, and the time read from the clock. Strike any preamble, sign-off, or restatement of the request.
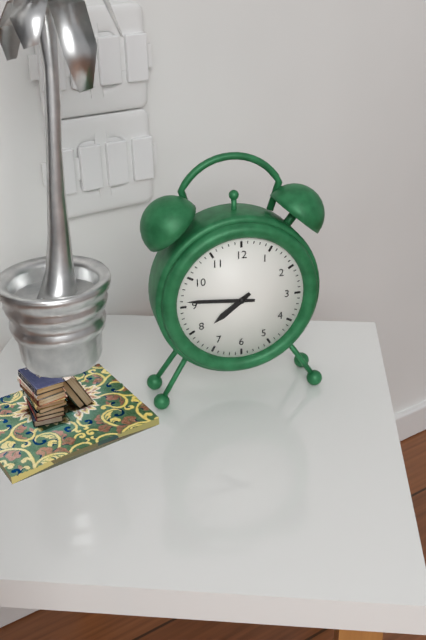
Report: 7:46
